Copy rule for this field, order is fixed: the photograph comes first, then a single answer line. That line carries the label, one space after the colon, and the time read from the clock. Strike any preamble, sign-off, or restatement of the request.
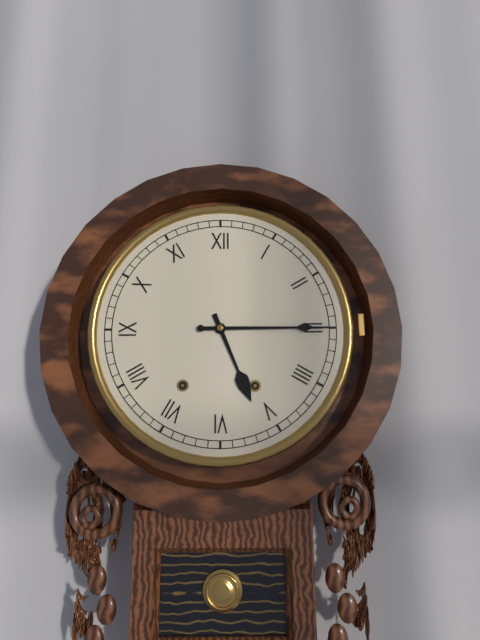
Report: 5:15
